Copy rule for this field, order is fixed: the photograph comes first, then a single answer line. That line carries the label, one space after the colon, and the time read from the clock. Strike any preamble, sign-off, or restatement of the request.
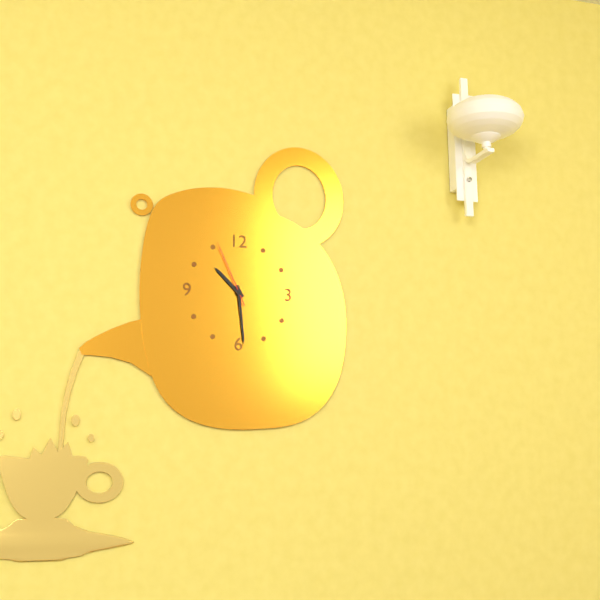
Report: 10:29:56
